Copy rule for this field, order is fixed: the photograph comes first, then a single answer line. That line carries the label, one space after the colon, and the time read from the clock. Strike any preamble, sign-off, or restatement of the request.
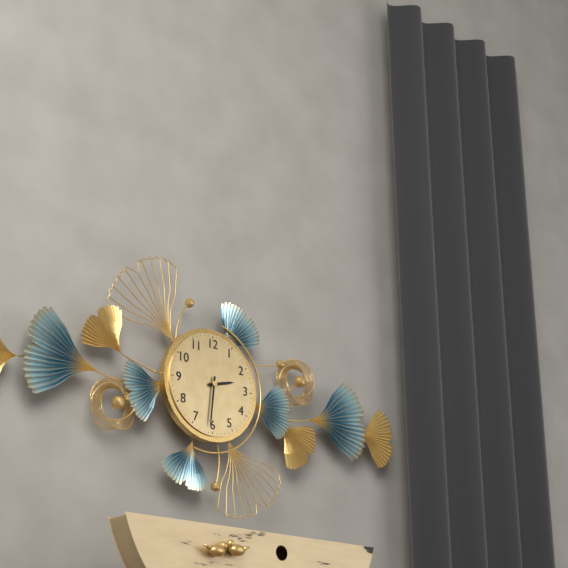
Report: 2:31
